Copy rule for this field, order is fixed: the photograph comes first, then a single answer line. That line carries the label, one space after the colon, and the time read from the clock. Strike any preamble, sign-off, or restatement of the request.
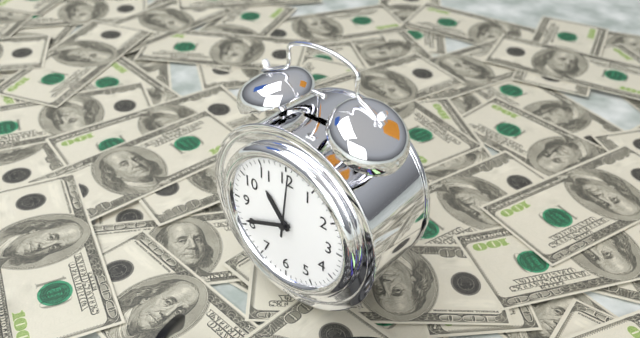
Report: 10:41:01
